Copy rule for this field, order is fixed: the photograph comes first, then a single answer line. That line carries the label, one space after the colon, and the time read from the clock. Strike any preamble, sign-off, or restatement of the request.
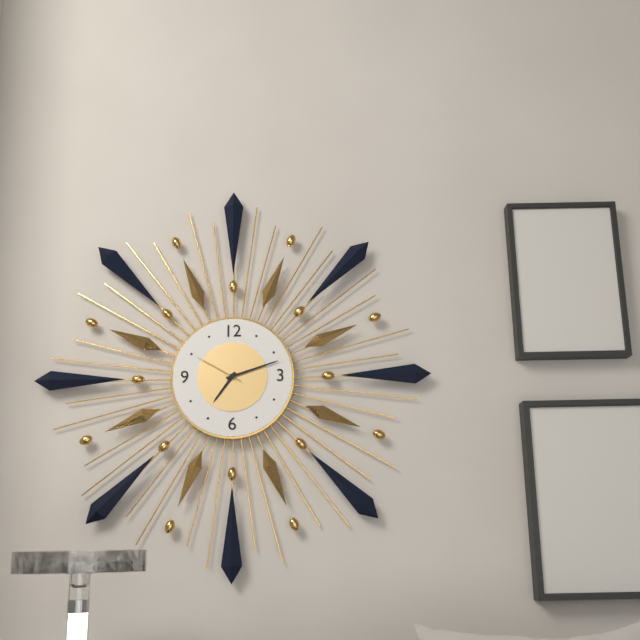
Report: 7:12:50
